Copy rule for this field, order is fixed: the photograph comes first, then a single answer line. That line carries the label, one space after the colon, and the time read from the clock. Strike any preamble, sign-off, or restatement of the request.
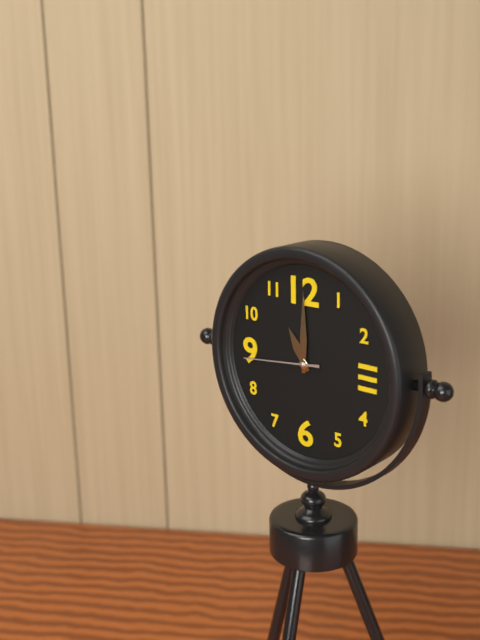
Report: 11:00:44
